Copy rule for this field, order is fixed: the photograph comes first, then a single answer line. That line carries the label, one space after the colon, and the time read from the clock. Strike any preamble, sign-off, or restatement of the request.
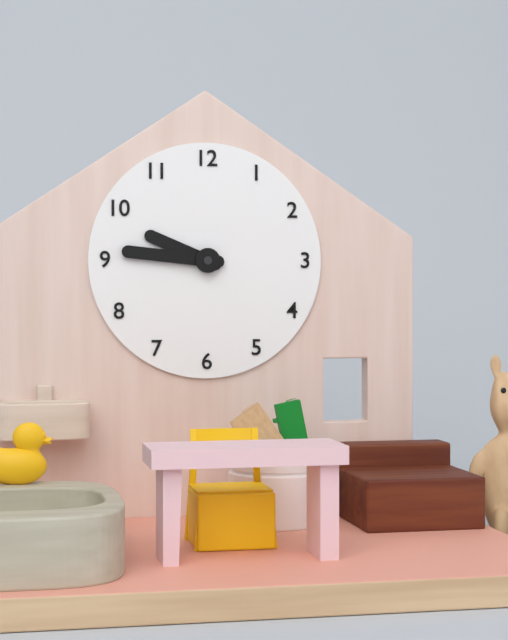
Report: 9:46
